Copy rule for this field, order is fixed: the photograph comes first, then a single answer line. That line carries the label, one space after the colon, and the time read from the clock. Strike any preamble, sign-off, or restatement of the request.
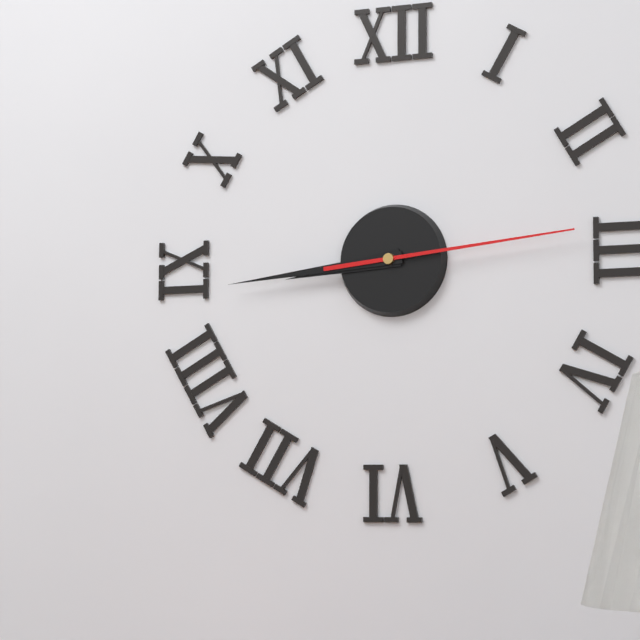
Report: 8:44:14
